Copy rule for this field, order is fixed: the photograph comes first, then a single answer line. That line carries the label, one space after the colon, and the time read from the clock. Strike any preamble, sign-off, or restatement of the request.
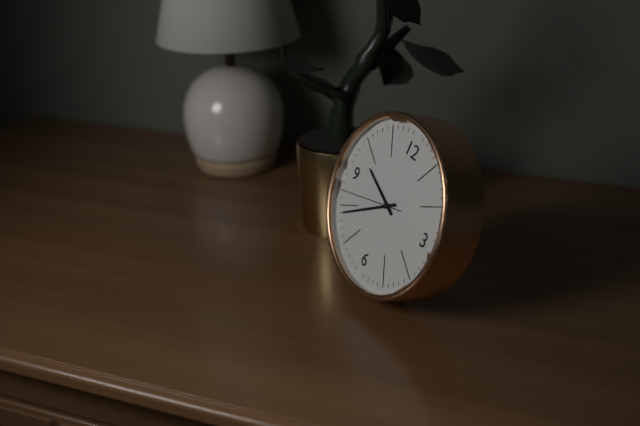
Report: 9:39:42
